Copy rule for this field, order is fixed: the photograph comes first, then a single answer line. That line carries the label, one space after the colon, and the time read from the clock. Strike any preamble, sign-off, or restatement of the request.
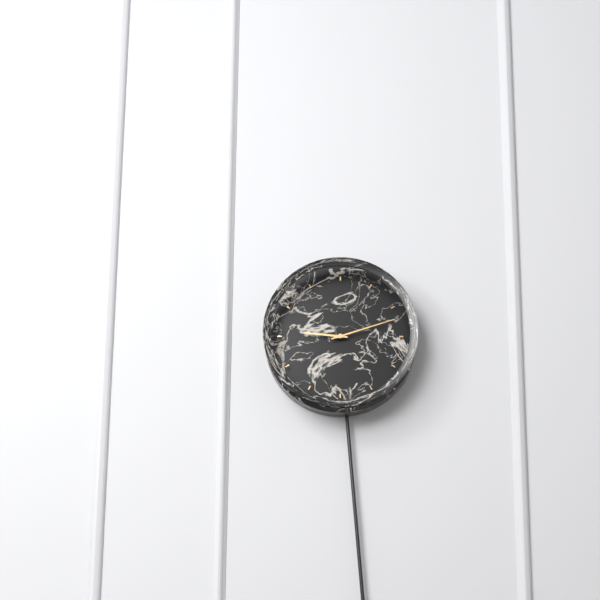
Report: 9:12
